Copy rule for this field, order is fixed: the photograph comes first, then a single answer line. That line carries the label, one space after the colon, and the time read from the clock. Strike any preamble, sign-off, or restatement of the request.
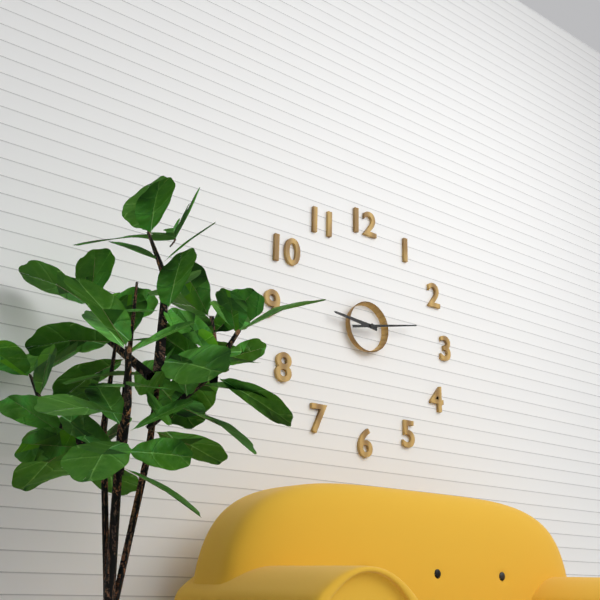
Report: 9:13
